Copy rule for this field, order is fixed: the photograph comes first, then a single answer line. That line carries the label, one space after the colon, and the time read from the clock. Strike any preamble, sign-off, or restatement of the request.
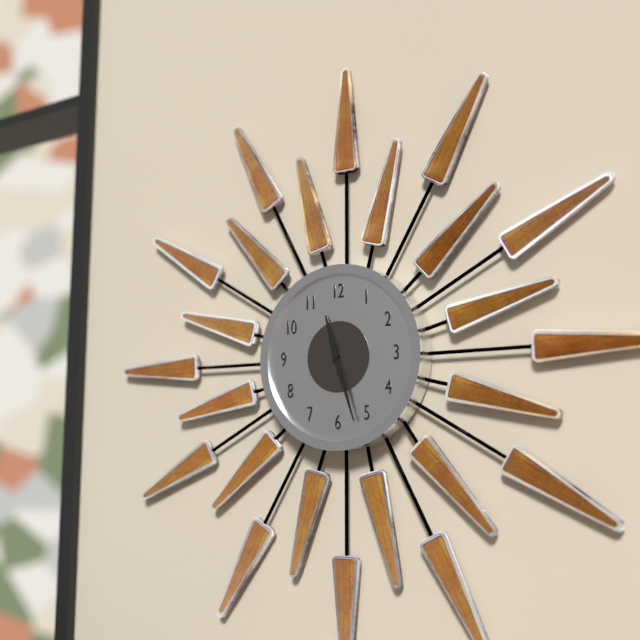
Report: 11:27
